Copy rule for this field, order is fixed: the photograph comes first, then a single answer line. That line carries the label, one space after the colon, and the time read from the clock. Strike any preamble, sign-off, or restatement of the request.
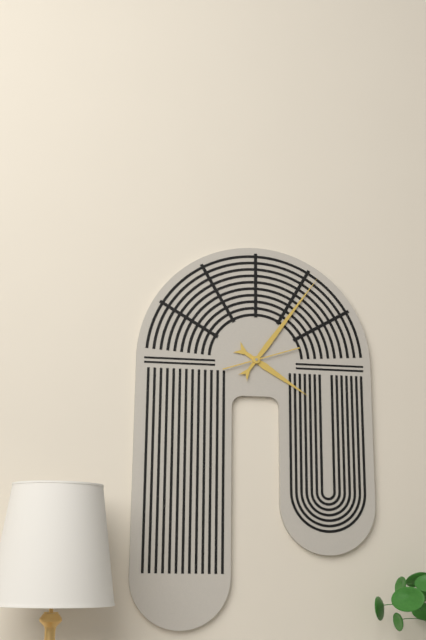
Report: 4:06:12
